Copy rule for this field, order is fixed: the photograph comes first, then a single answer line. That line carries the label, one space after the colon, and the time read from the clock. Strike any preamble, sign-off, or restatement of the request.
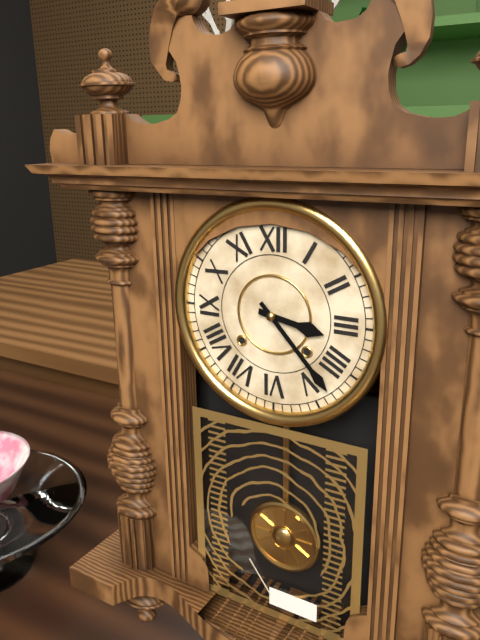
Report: 3:23
